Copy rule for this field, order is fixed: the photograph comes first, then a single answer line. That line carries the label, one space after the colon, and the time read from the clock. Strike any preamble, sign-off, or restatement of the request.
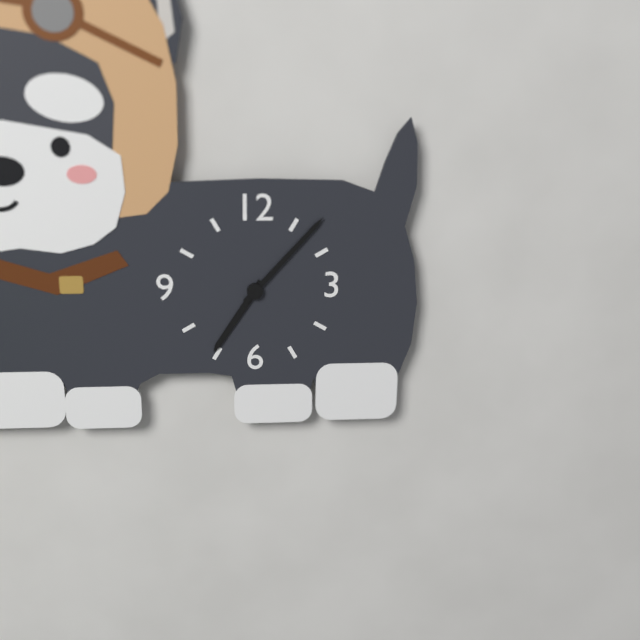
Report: 7:07
